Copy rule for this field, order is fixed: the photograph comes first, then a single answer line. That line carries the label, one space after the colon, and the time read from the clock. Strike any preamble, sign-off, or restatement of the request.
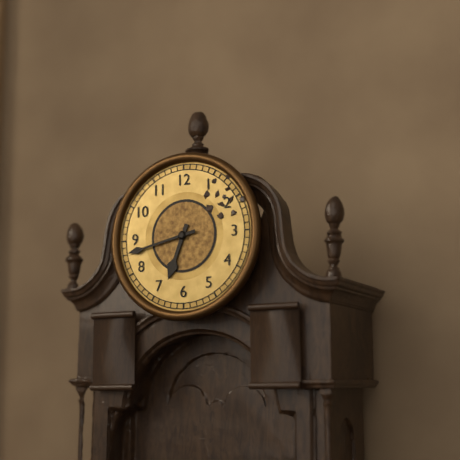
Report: 6:43
